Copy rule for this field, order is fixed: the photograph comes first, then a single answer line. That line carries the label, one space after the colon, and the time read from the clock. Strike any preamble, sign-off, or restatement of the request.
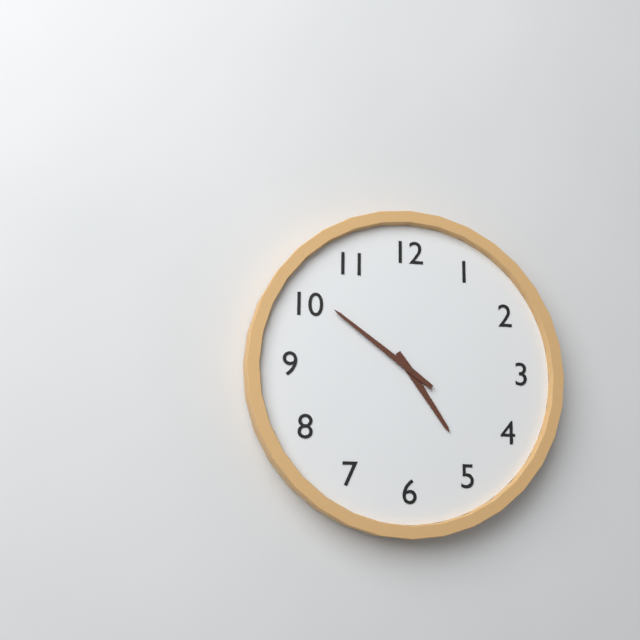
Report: 4:51
